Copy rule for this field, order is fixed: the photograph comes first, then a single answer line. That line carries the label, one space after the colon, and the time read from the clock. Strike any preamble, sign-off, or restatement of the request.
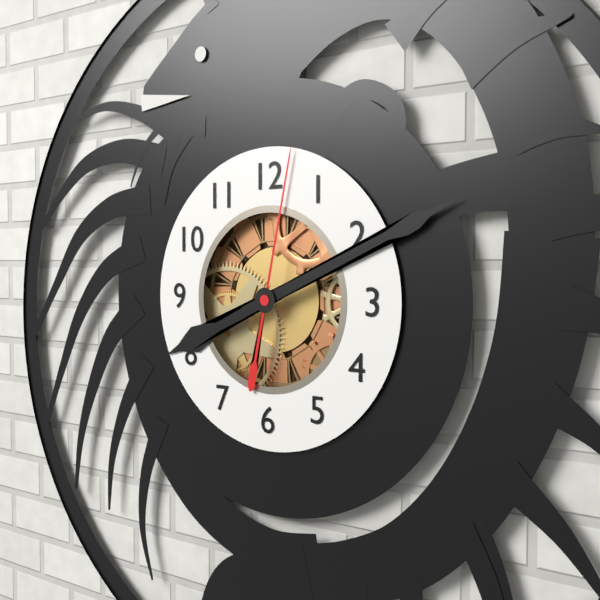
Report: 8:11:02
